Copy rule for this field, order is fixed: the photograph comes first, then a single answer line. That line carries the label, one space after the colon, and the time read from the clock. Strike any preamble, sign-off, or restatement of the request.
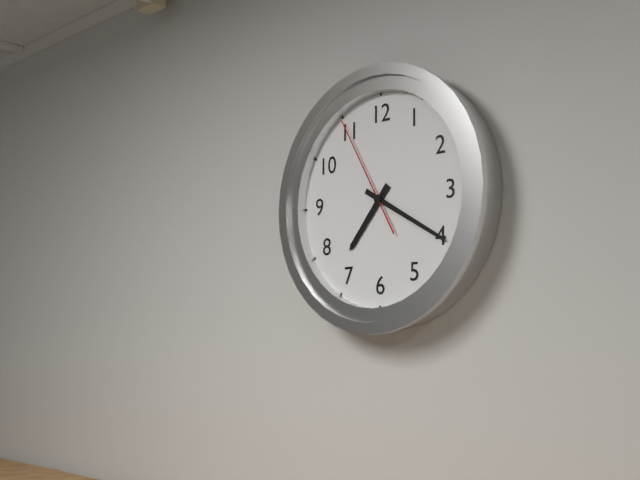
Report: 7:20:55
